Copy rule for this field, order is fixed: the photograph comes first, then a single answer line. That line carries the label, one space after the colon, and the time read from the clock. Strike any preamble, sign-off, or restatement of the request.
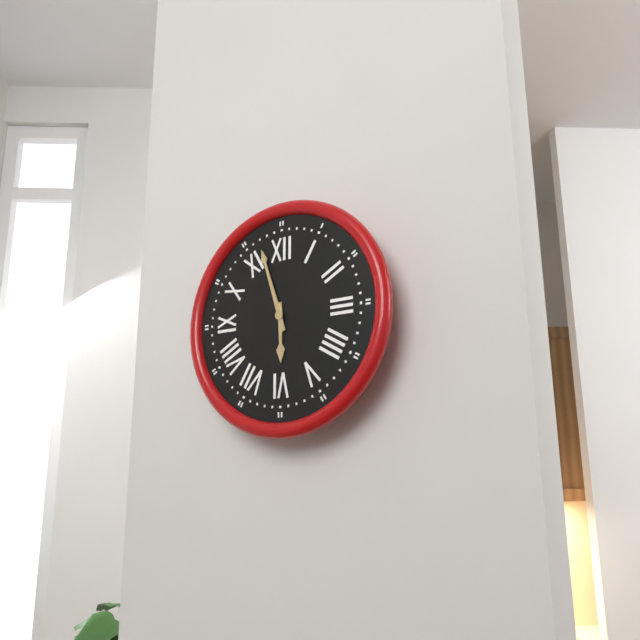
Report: 5:57
